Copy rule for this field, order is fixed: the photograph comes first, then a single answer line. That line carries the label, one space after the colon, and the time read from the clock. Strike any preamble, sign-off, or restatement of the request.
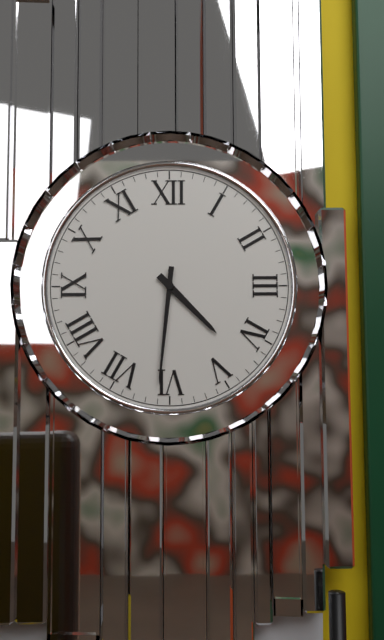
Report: 4:31
